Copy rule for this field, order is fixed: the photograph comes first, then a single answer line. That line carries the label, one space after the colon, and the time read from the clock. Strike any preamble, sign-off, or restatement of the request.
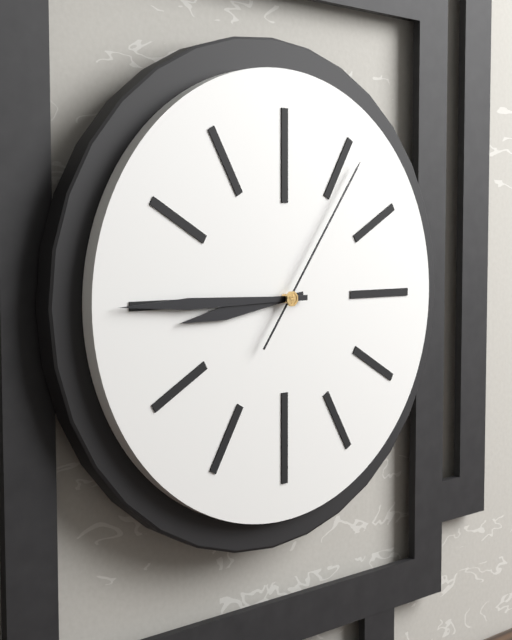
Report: 8:45:06
